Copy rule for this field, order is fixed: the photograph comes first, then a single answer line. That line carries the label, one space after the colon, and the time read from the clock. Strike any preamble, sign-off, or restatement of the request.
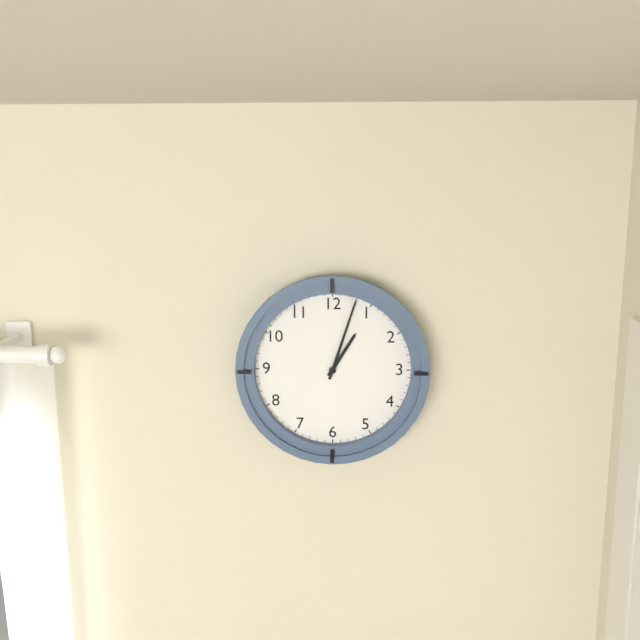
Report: 1:03
